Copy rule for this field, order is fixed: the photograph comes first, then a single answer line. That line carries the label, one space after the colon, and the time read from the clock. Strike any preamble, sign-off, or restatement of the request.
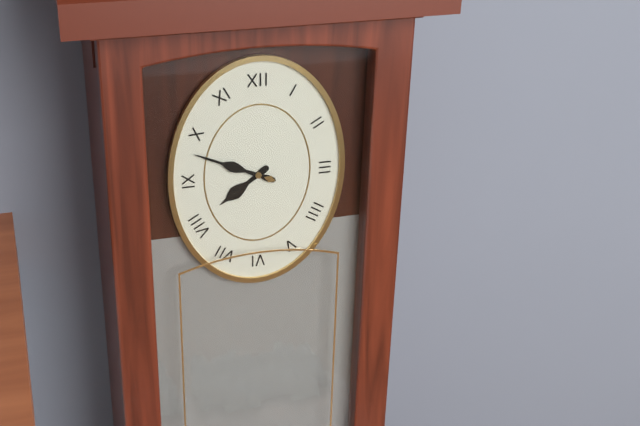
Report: 7:49
